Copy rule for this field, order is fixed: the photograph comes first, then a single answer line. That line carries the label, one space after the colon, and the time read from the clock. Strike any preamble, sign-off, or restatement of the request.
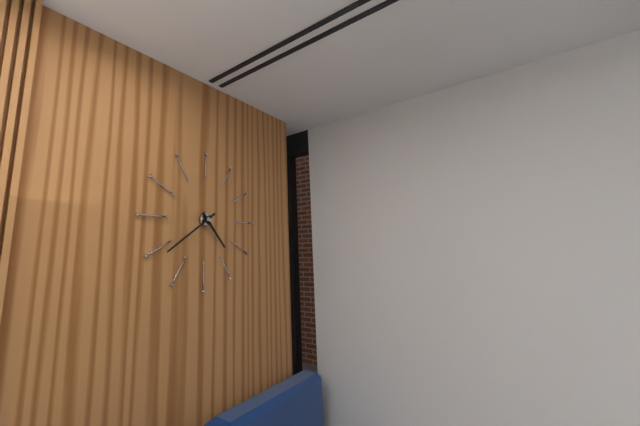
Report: 4:39
